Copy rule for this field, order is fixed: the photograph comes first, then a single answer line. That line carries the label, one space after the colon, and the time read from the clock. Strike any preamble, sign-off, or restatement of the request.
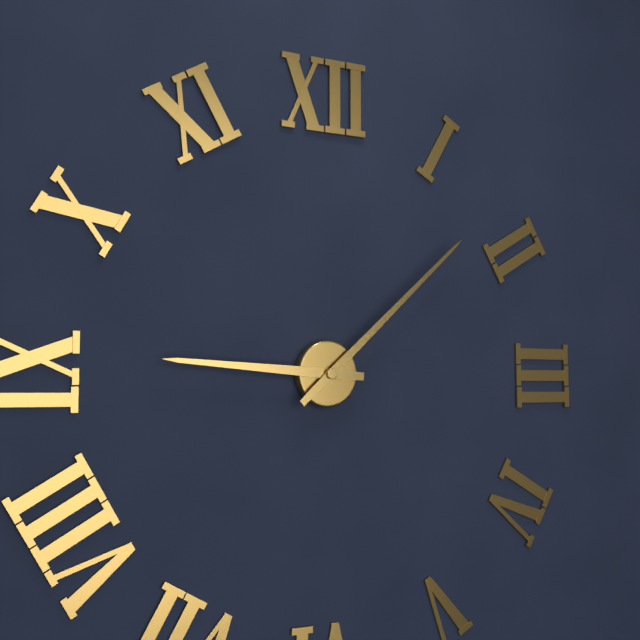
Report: 9:08
